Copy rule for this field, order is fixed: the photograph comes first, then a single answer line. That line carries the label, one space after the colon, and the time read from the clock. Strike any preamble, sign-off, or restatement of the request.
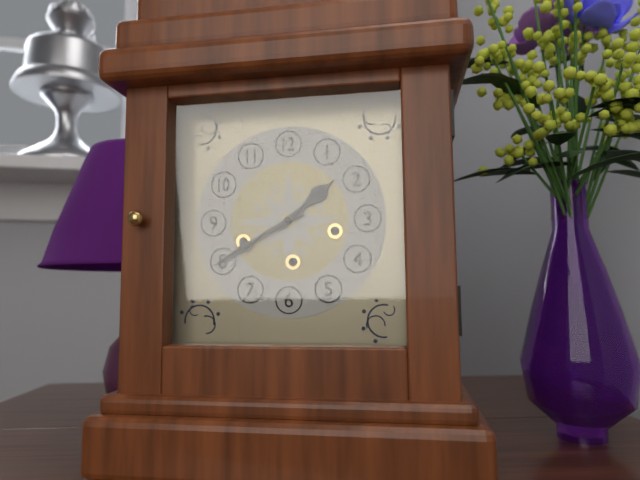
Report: 1:40
